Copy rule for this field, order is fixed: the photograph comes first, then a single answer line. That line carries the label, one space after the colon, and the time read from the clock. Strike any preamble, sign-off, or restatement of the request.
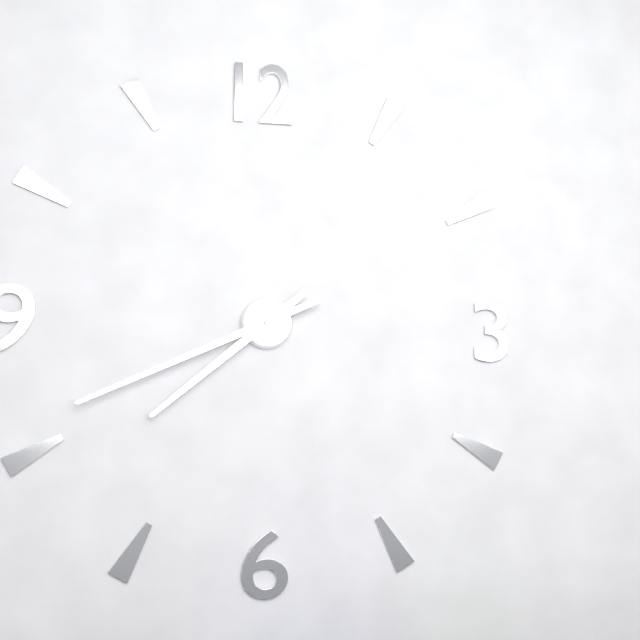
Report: 7:41
